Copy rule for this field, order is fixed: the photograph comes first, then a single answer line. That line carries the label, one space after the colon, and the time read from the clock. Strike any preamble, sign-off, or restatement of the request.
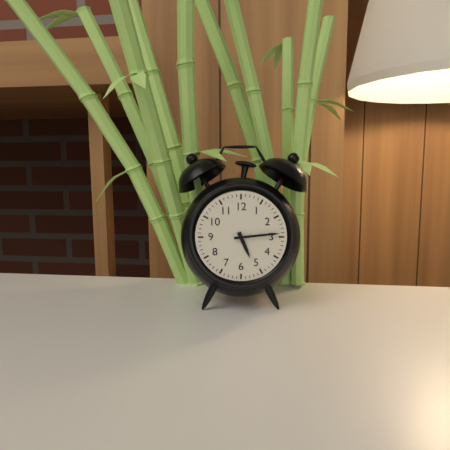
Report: 5:14
